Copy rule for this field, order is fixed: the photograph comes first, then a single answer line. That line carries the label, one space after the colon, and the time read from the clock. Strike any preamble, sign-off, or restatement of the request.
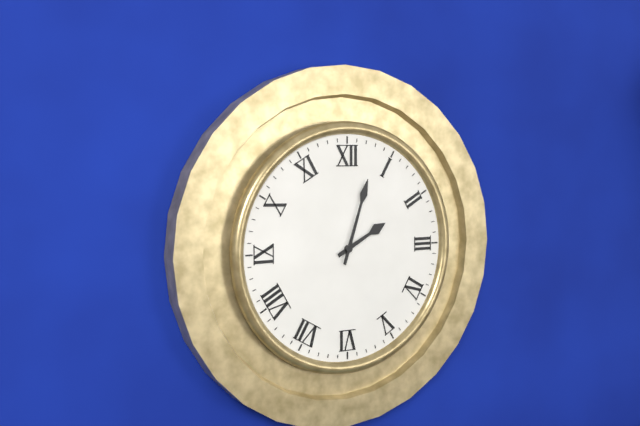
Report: 2:03
